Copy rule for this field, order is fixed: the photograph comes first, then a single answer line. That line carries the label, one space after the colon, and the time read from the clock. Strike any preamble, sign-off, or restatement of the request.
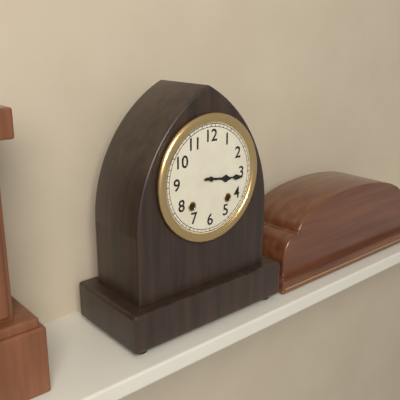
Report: 3:16
